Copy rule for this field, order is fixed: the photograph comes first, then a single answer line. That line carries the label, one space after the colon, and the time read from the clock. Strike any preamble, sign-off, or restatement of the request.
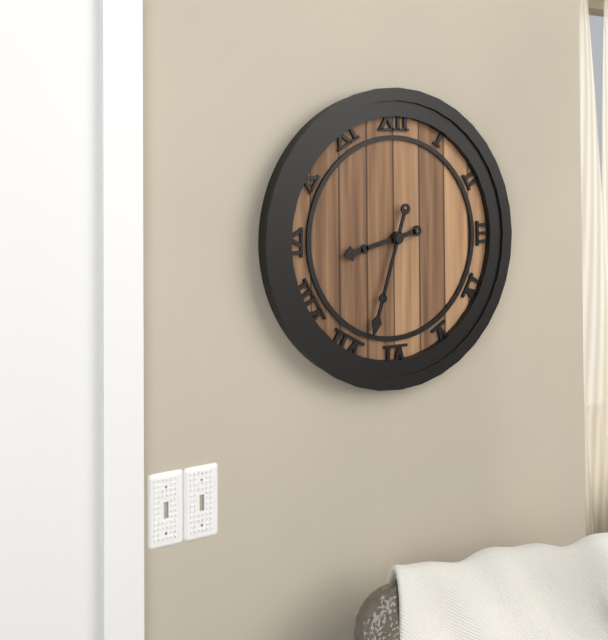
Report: 8:33
